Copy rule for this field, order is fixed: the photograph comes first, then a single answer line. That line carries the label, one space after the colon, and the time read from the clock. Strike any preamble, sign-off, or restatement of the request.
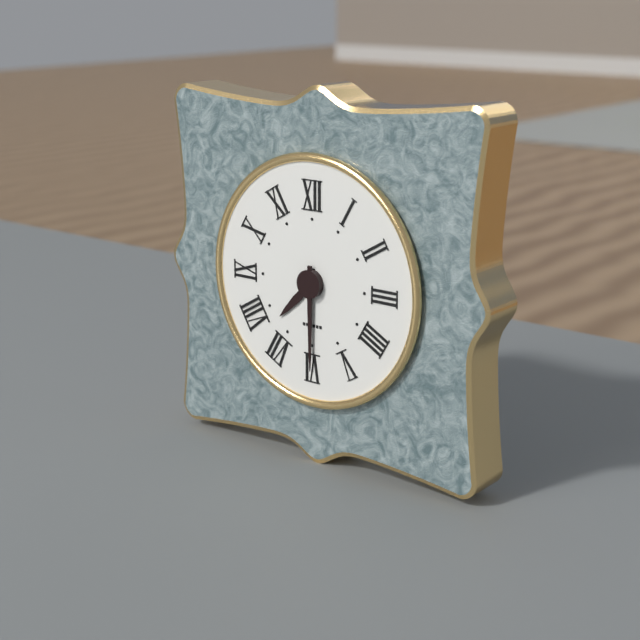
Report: 7:30
